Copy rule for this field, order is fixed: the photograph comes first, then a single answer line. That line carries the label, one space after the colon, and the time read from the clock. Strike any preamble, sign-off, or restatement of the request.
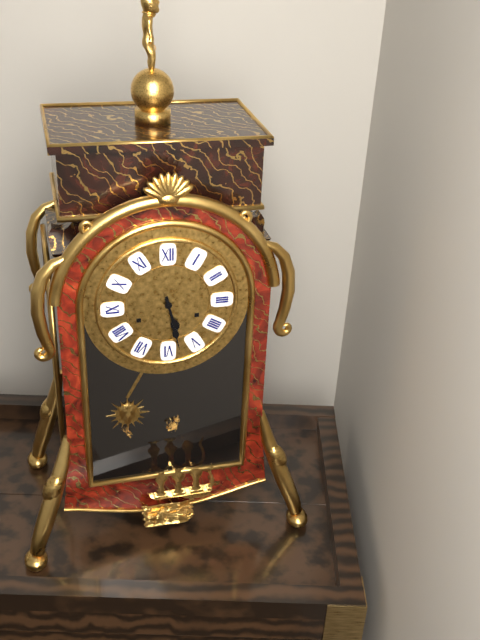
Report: 5:28
